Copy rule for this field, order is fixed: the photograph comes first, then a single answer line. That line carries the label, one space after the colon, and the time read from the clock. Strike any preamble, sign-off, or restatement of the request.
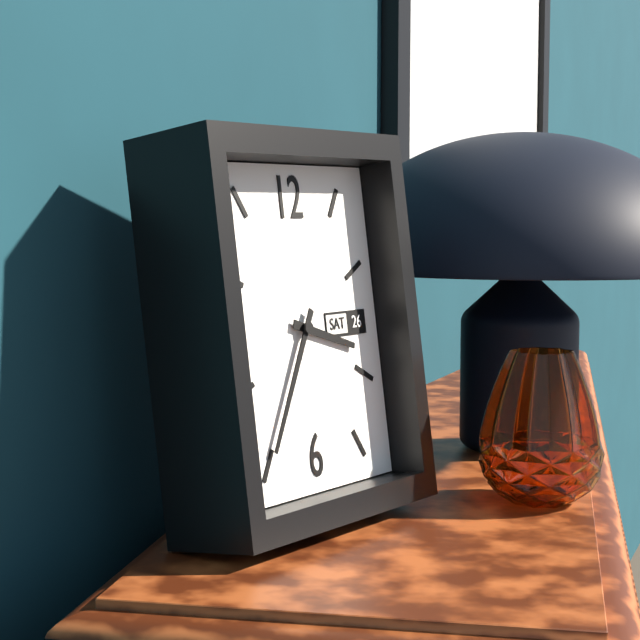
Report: 3:35
